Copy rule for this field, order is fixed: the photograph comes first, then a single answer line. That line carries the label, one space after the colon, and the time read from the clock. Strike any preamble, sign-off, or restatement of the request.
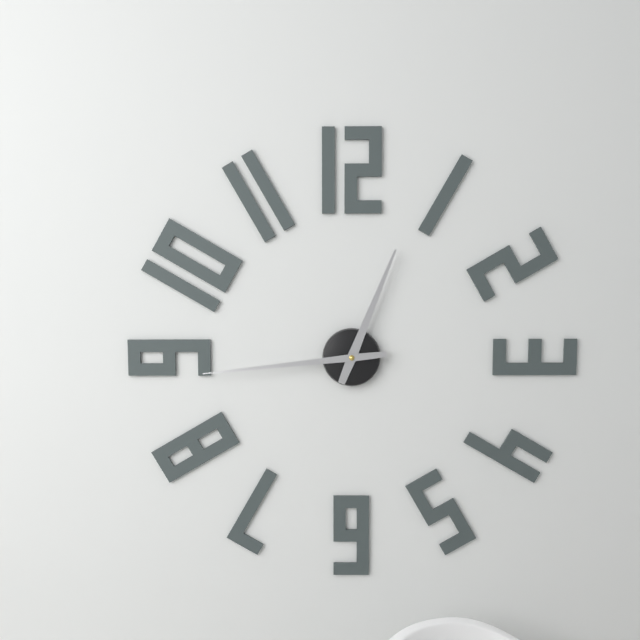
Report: 12:44
